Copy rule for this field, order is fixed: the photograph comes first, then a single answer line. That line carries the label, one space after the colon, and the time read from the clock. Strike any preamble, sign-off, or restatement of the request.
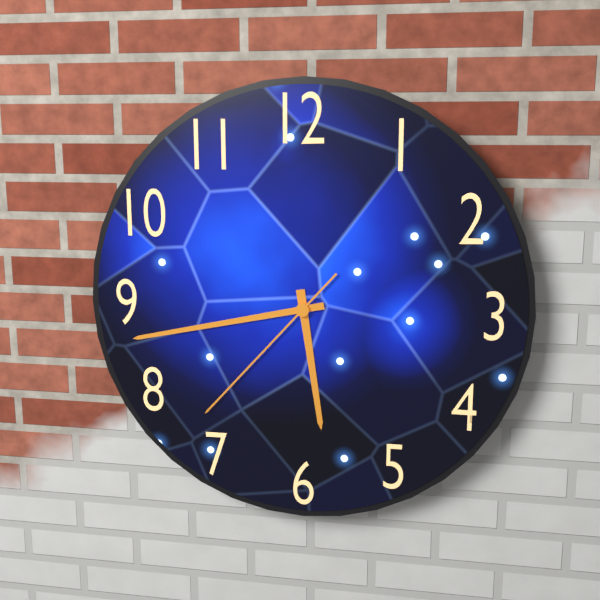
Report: 5:43:37
